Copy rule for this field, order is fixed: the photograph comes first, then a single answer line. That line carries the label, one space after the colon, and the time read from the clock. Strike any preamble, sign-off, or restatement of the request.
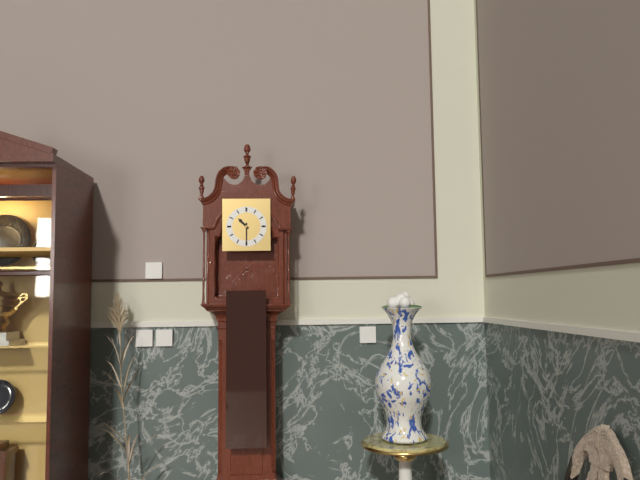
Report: 10:30
